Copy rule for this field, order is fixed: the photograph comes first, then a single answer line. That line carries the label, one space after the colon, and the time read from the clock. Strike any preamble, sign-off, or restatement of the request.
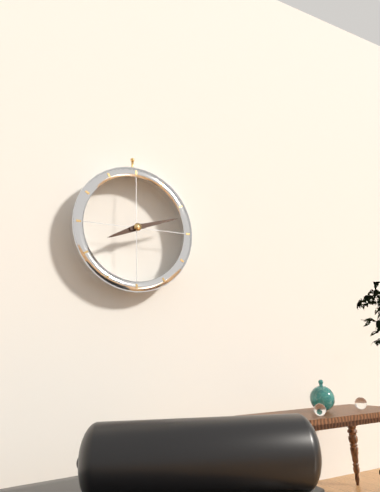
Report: 8:12
